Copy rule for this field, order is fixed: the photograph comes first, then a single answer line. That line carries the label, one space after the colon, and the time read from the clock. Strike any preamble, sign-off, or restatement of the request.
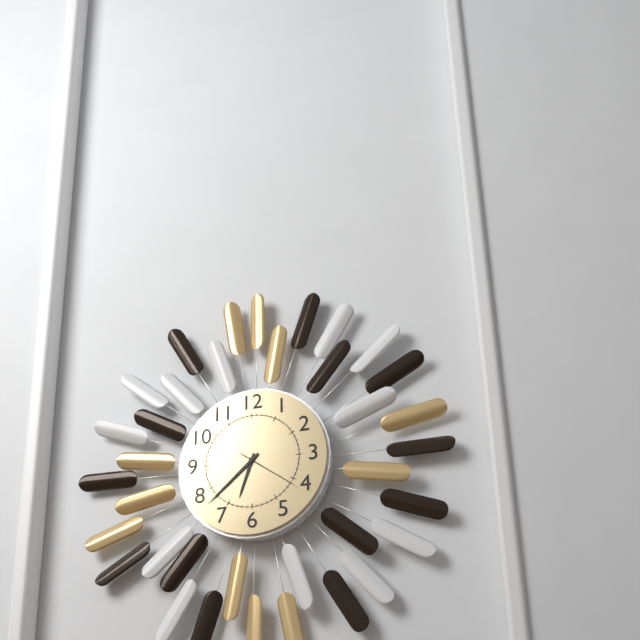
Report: 6:38:21
